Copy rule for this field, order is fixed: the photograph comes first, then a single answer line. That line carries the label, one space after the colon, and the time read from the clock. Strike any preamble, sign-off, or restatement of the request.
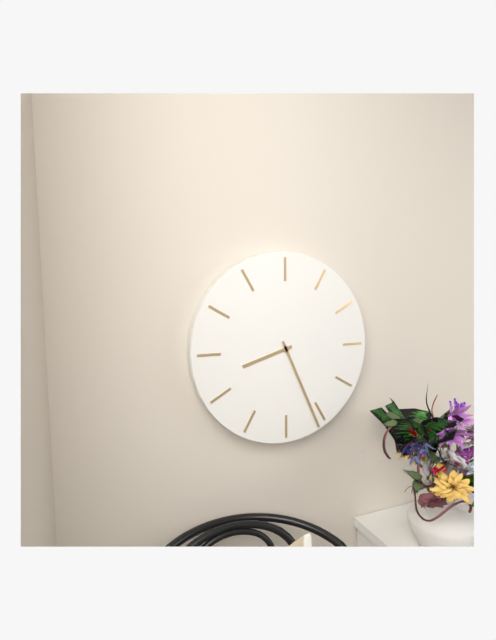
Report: 8:26
